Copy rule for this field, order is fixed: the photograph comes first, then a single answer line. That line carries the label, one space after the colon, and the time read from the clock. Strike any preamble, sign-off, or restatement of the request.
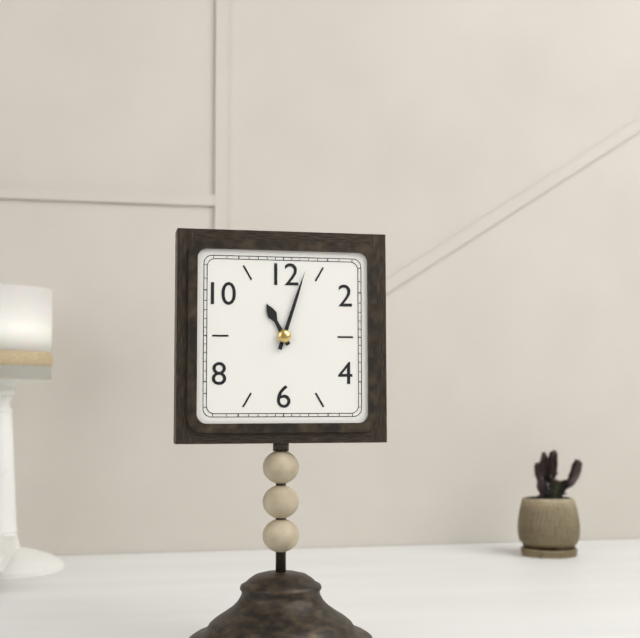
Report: 11:03
